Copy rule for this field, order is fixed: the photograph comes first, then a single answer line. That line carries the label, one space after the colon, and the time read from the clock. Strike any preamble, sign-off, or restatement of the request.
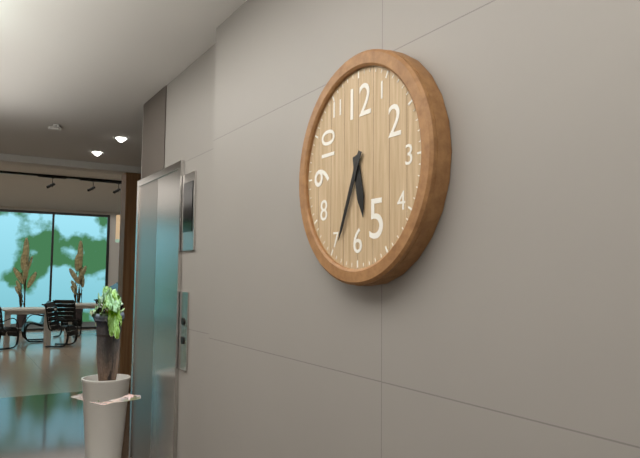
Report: 5:34
